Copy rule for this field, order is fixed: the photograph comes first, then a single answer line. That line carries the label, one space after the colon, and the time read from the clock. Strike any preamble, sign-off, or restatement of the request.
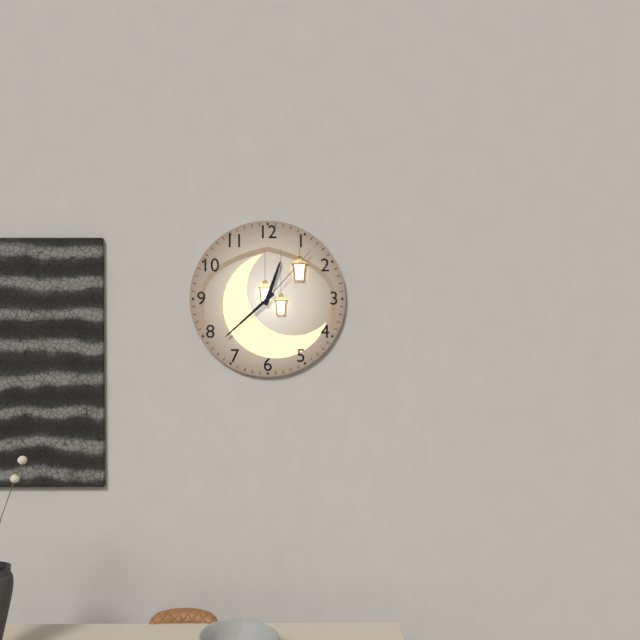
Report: 12:38:07
